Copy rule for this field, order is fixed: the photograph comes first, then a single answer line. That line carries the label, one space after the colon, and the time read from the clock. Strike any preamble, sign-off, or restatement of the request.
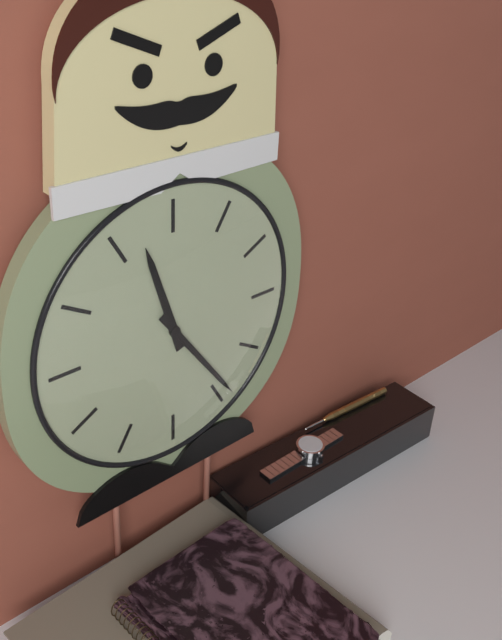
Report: 11:24
